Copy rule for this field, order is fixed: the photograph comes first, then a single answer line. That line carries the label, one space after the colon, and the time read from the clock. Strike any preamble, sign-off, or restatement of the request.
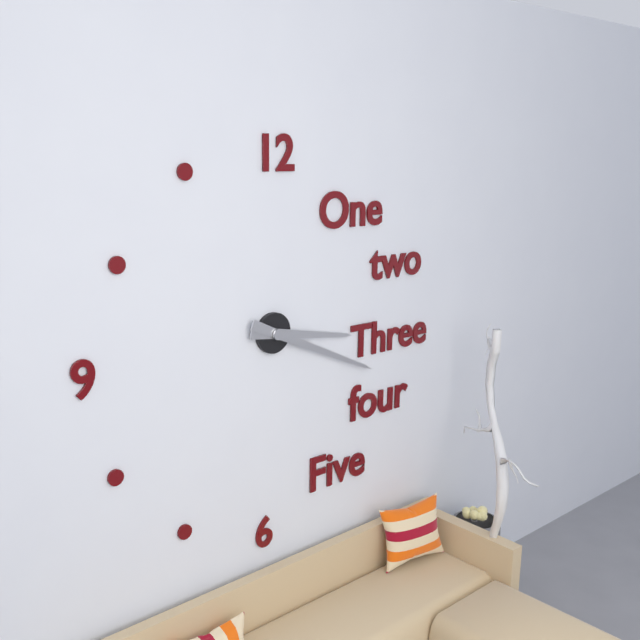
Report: 3:19
